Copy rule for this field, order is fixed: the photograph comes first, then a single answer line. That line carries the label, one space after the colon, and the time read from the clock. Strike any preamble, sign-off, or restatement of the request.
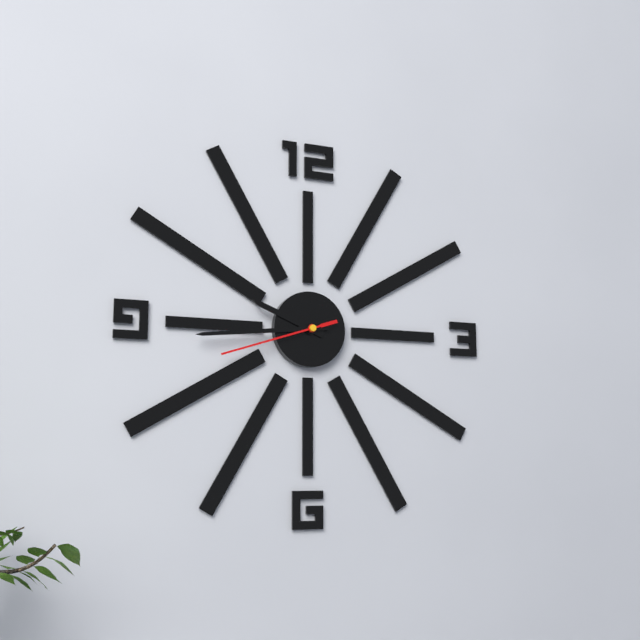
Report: 9:44:42
